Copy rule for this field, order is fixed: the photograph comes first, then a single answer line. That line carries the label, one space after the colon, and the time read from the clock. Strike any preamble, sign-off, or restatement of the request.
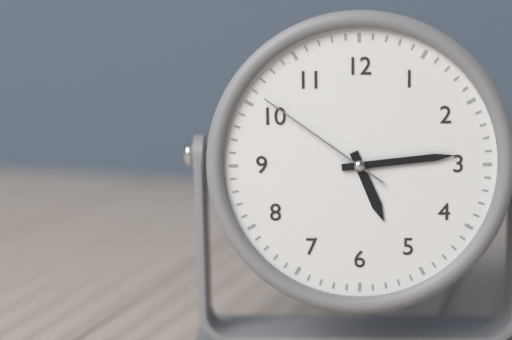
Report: 5:14:51
